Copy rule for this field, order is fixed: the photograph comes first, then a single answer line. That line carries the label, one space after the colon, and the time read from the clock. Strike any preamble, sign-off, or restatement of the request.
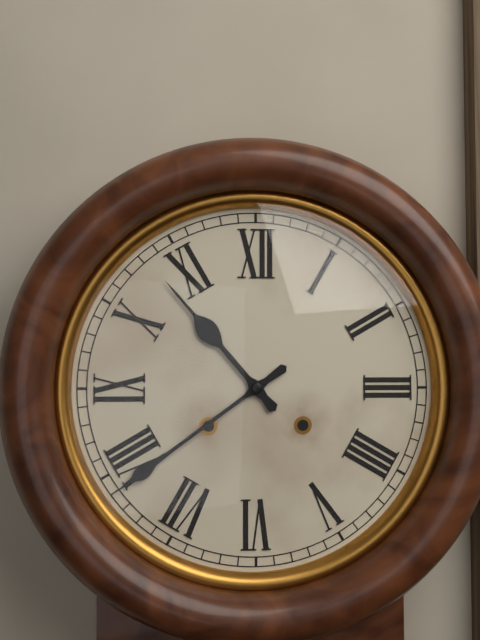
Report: 10:39
